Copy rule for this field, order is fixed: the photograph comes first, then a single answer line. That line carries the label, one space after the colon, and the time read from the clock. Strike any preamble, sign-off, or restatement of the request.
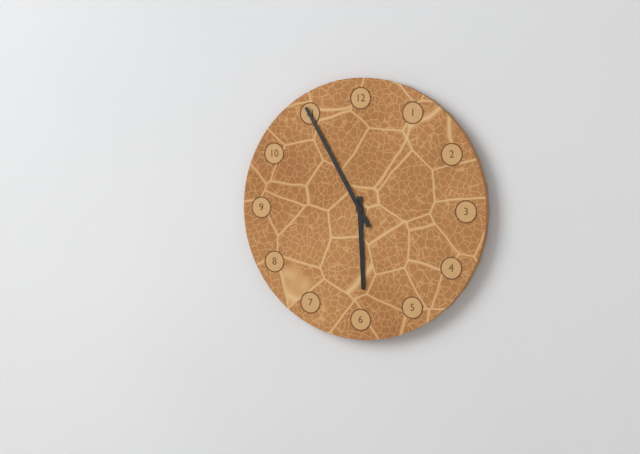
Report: 5:55
